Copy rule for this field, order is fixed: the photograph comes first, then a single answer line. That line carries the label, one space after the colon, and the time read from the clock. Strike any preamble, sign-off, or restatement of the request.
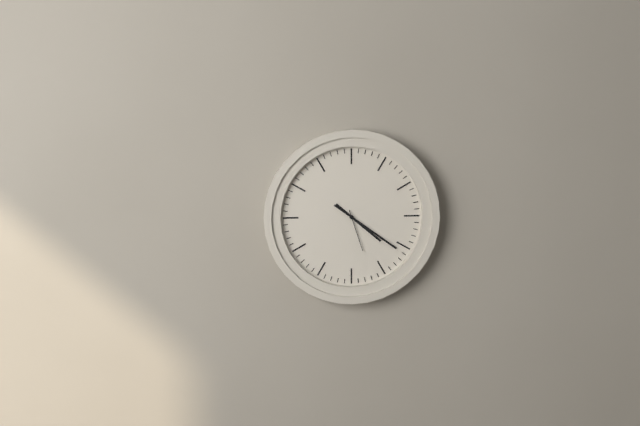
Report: 4:21
